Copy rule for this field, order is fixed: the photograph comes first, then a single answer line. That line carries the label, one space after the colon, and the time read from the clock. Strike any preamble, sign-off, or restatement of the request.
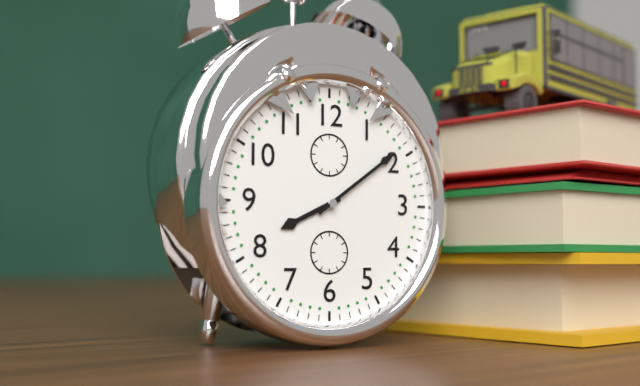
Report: 8:09
